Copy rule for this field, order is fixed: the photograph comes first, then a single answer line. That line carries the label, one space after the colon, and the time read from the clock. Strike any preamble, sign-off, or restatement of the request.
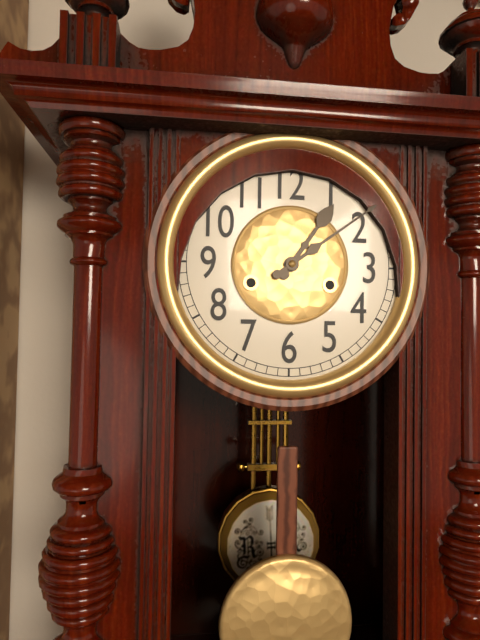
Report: 1:09
